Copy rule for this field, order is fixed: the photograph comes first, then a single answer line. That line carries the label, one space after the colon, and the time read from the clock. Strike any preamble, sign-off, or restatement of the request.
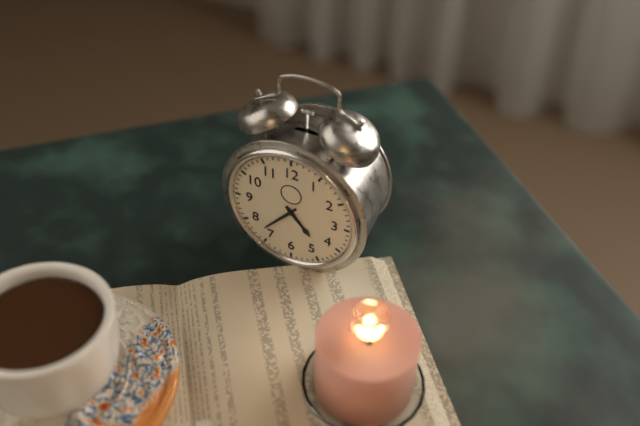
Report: 4:37
